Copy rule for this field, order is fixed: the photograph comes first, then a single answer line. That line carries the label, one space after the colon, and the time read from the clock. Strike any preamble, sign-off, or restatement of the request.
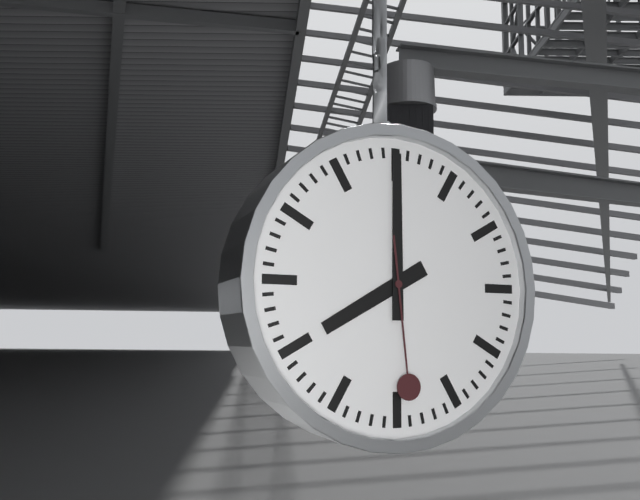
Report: 8:00:29
